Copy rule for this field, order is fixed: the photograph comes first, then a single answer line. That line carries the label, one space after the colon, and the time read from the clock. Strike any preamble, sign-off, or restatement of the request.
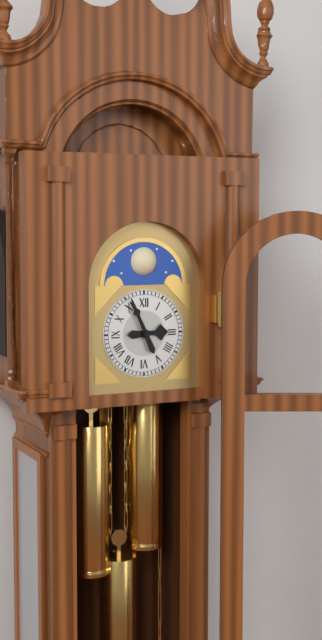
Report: 2:56
